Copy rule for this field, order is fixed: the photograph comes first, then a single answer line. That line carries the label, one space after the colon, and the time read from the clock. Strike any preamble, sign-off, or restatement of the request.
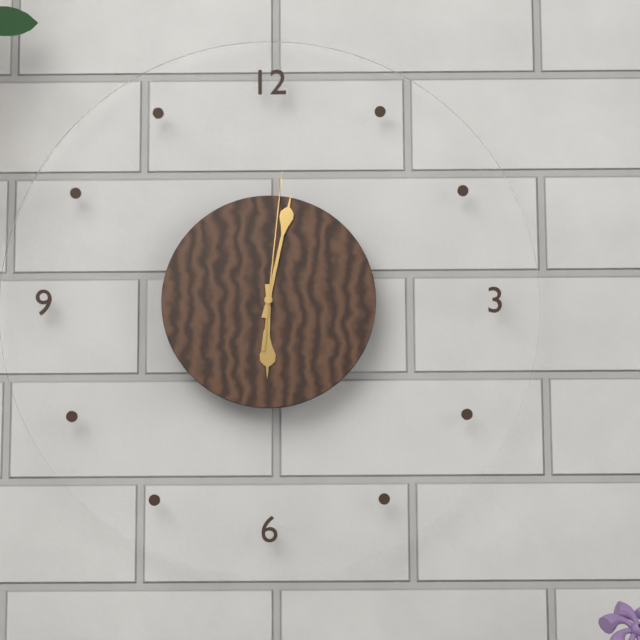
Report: 6:02:01
